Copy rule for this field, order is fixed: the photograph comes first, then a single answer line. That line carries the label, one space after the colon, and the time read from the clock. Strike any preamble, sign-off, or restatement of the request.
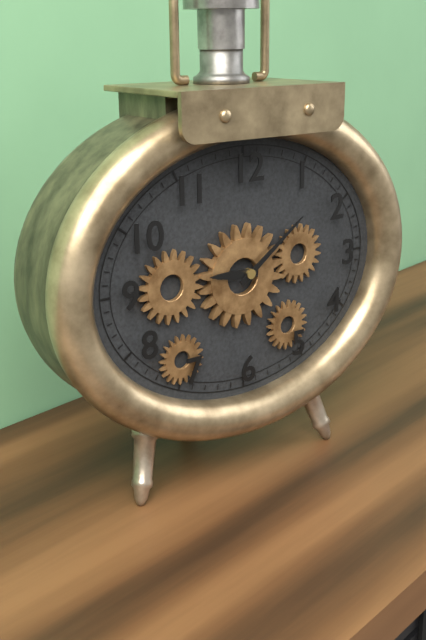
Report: 9:09
